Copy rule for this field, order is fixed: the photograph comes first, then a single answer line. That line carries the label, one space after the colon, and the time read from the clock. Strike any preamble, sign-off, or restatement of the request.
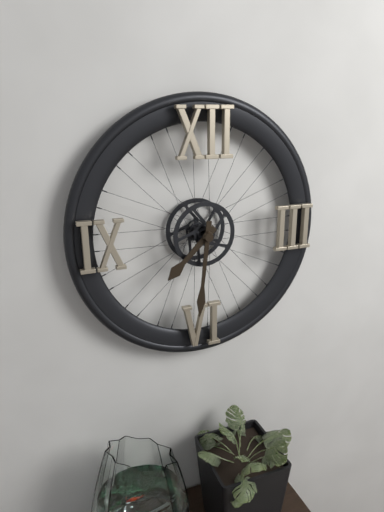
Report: 7:31
